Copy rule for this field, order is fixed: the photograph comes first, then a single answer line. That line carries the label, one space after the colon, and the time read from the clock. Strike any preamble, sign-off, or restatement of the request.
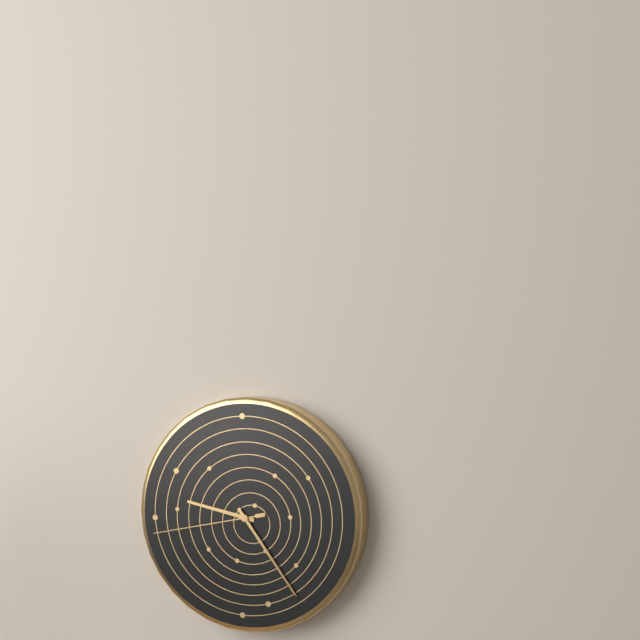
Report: 9:24:43
